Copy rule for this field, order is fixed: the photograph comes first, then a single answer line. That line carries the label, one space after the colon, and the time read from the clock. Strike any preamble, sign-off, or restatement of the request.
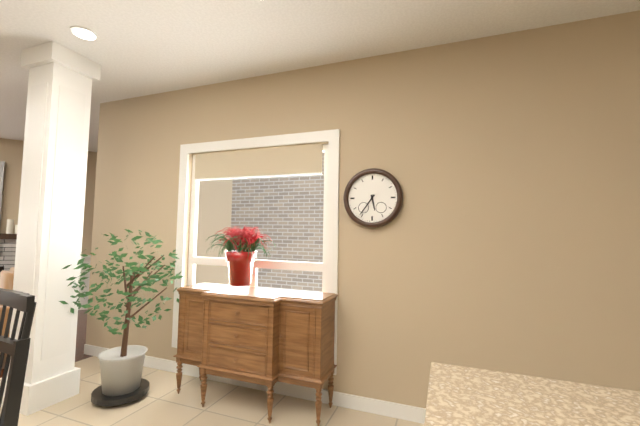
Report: 5:36
